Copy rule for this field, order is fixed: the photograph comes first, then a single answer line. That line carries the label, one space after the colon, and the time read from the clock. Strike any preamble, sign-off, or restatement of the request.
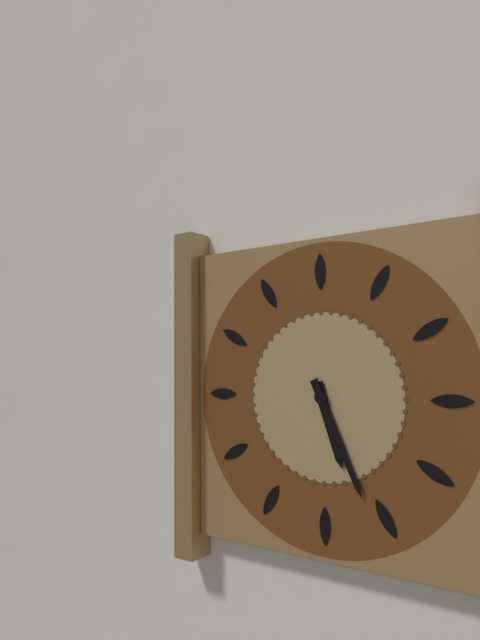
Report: 5:26
